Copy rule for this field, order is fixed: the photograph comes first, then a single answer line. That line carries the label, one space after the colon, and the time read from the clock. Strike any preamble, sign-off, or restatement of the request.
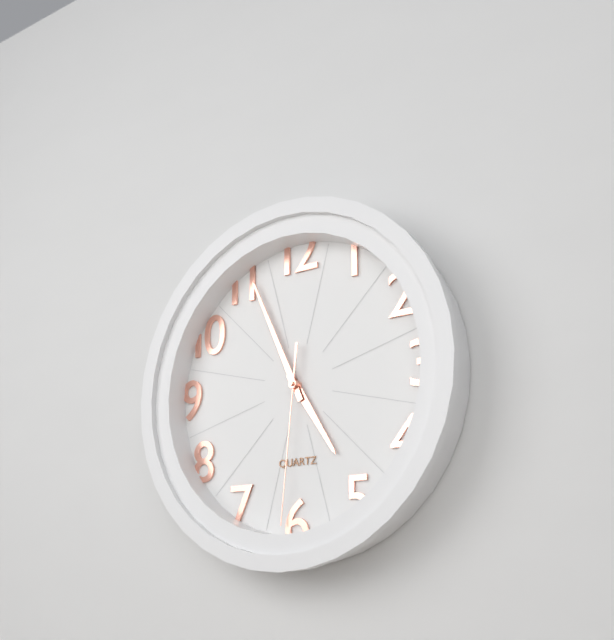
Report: 4:56:31
